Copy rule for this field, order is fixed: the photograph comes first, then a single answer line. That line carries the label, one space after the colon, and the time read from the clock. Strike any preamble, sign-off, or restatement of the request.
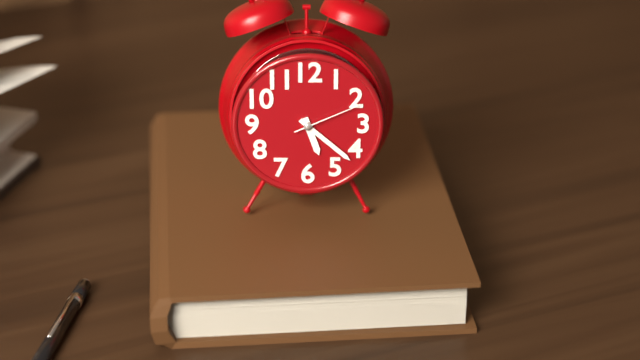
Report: 5:22:11
